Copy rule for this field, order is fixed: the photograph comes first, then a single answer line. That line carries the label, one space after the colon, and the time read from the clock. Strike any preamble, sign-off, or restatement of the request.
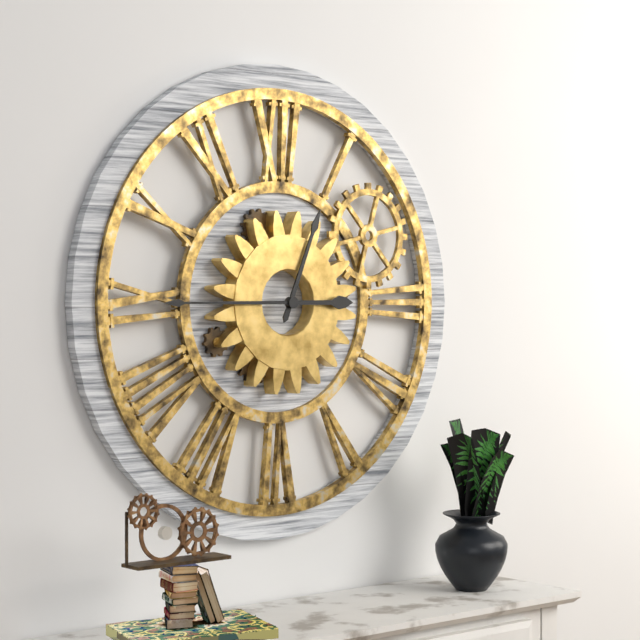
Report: 12:45
